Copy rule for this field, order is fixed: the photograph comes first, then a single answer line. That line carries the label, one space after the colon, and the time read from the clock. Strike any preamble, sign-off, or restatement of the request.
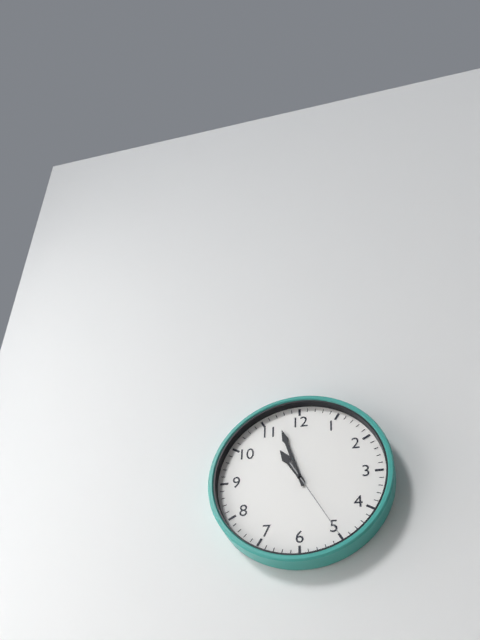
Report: 10:57:25
